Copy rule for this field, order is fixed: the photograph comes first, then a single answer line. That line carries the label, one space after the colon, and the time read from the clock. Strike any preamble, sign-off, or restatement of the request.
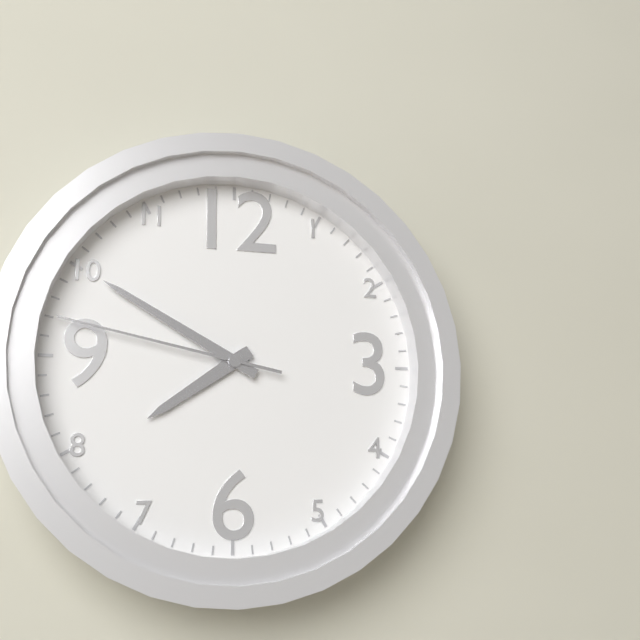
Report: 7:50:47
